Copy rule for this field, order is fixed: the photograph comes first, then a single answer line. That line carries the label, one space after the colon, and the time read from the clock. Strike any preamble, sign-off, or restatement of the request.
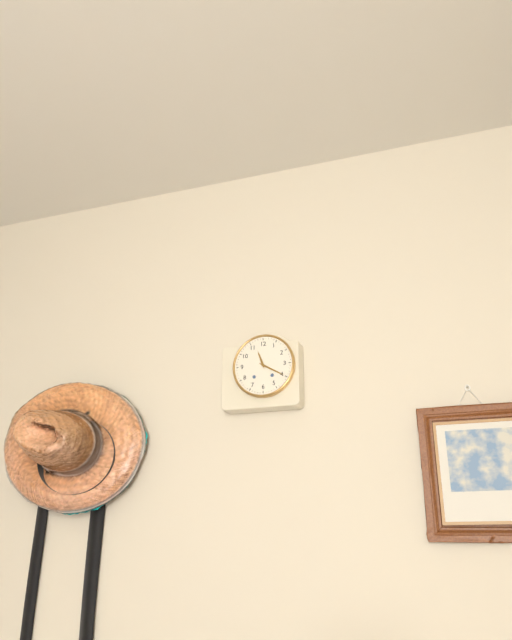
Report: 11:20
